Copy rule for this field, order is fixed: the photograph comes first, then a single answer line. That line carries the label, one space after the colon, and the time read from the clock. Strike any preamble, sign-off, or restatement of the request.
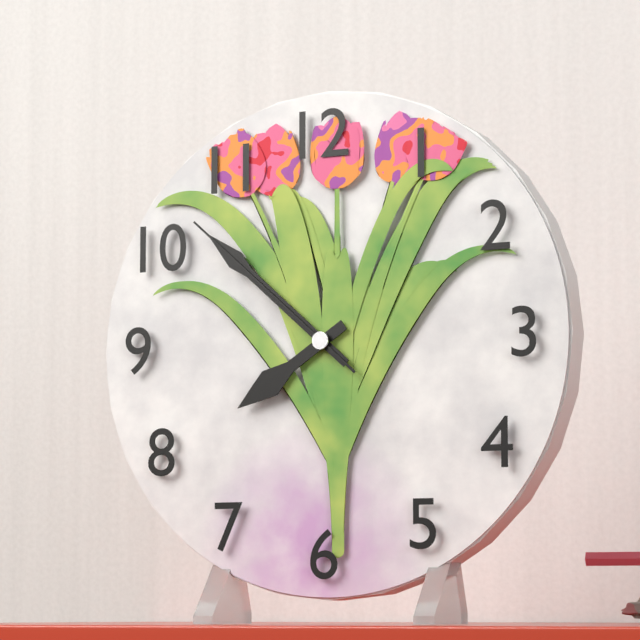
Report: 7:52:52
